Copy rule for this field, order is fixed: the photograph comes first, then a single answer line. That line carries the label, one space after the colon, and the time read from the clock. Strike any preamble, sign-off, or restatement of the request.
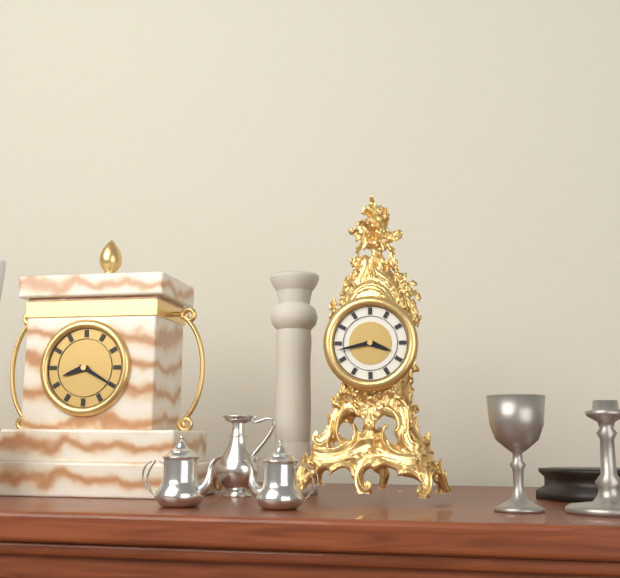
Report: 3:43
